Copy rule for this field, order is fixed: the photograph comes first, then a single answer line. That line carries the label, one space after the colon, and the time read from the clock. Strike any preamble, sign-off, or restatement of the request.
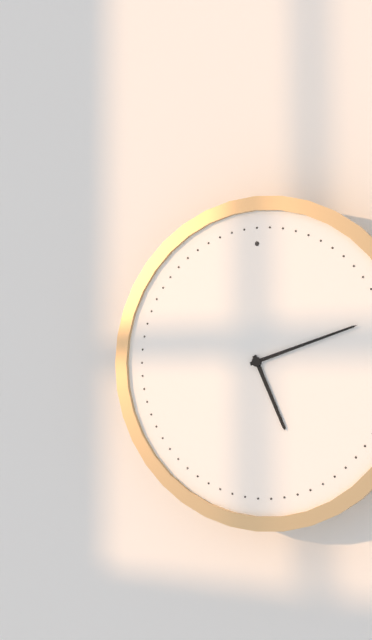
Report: 5:12
